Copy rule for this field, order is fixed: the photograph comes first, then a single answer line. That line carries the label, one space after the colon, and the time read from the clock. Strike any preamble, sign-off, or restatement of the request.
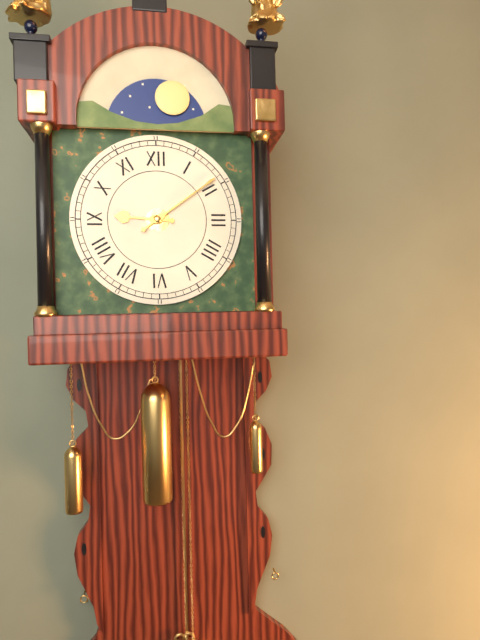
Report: 9:09
